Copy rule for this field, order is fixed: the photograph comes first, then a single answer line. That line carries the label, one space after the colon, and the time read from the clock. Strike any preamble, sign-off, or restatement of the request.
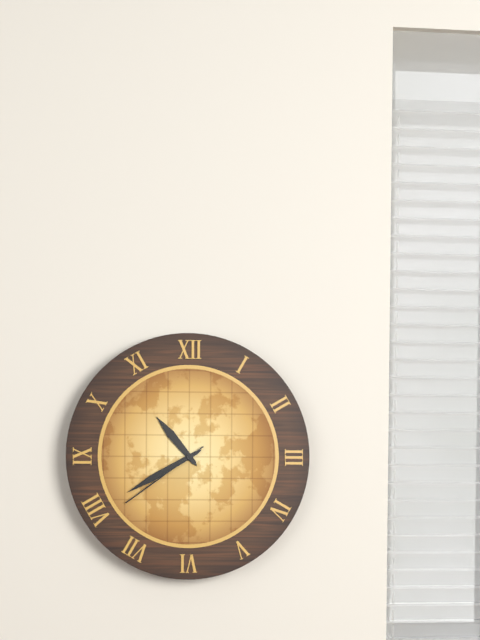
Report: 10:40:39
